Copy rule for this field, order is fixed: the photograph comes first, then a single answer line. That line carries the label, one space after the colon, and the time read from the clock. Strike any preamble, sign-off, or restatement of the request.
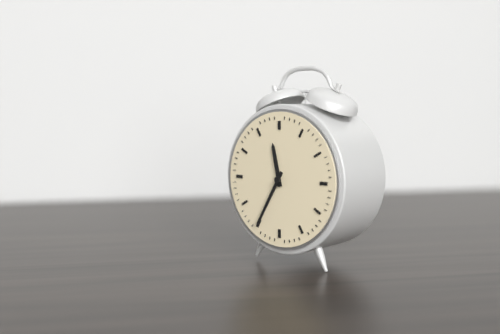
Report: 11:35
